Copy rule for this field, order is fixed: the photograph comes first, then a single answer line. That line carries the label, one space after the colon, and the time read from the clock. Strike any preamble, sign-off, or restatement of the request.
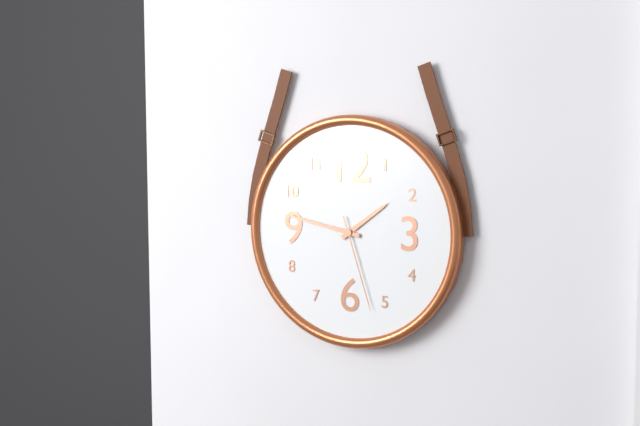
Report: 1:47:27
